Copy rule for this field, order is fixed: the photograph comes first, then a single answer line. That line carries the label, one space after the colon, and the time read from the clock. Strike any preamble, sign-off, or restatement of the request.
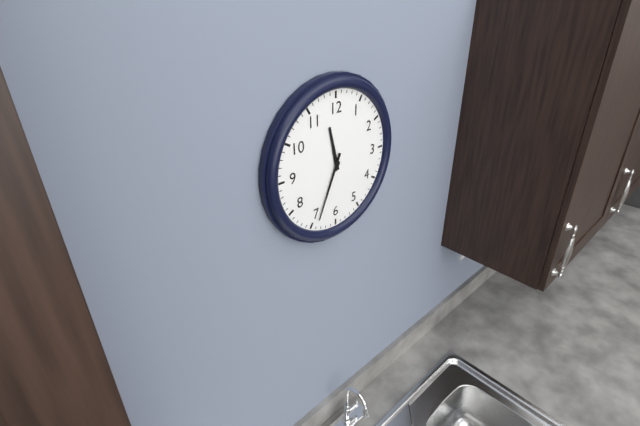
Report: 11:34
